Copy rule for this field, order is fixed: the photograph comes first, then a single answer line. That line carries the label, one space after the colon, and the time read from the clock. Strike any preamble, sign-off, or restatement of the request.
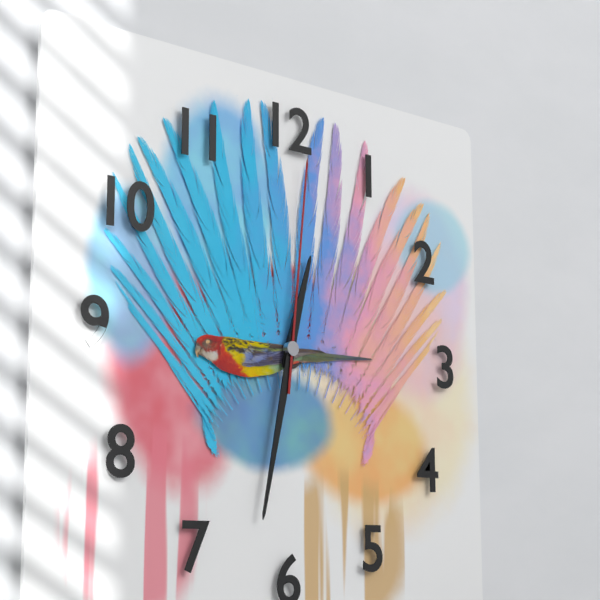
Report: 12:32:01
